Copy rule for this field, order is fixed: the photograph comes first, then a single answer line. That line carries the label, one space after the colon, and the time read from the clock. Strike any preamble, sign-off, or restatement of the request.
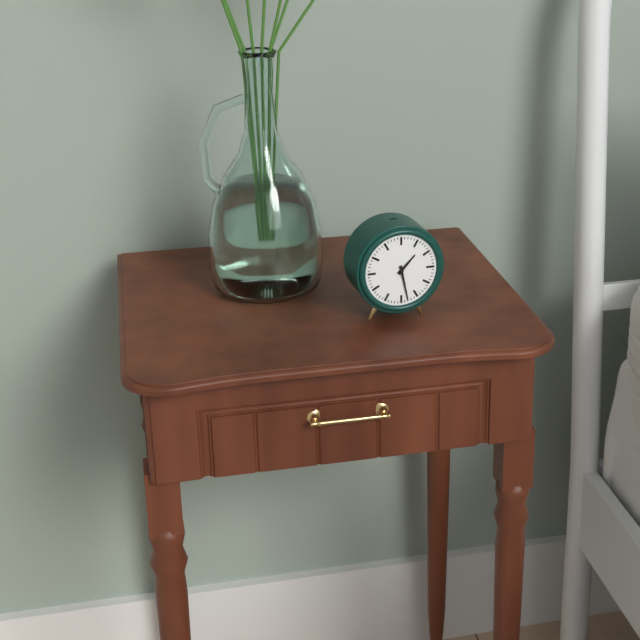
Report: 1:28
